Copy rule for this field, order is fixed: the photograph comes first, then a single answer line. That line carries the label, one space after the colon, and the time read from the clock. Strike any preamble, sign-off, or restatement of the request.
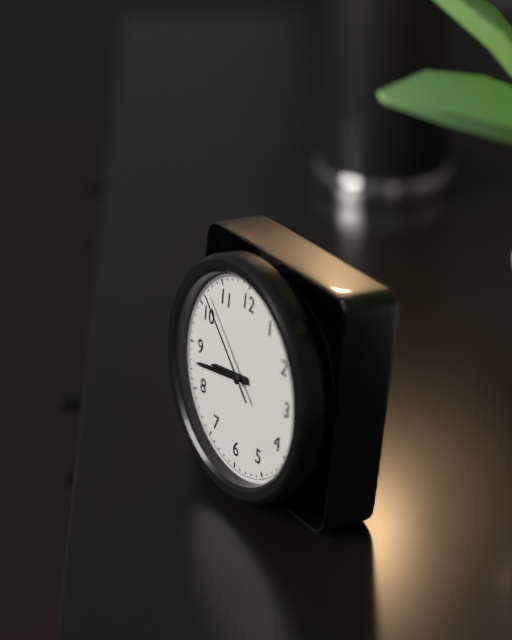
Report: 8:43:52
